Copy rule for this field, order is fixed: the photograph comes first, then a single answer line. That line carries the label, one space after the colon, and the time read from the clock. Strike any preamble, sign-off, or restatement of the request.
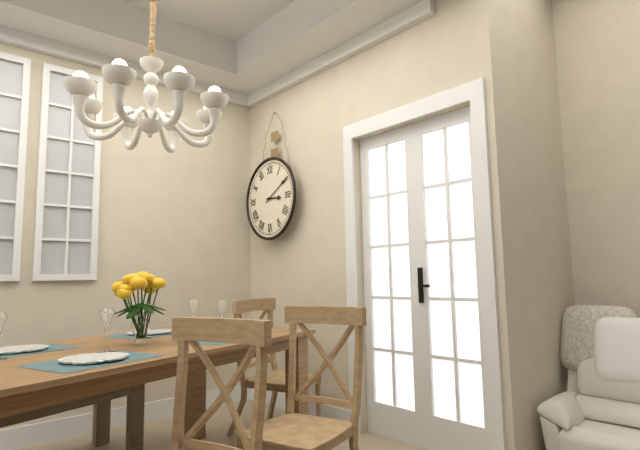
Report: 3:10
